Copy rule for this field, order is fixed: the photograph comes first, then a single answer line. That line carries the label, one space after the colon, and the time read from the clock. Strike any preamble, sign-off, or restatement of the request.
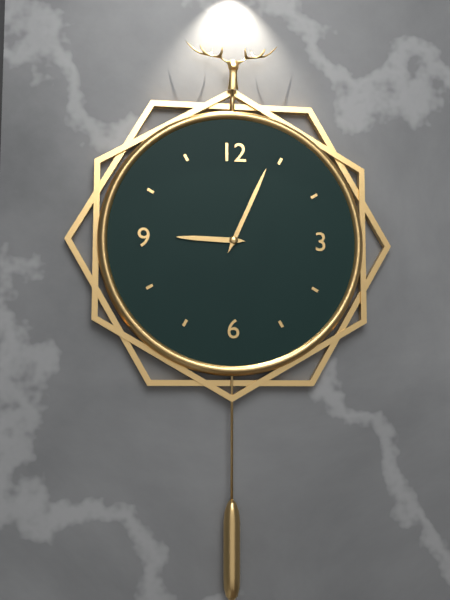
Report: 9:04
